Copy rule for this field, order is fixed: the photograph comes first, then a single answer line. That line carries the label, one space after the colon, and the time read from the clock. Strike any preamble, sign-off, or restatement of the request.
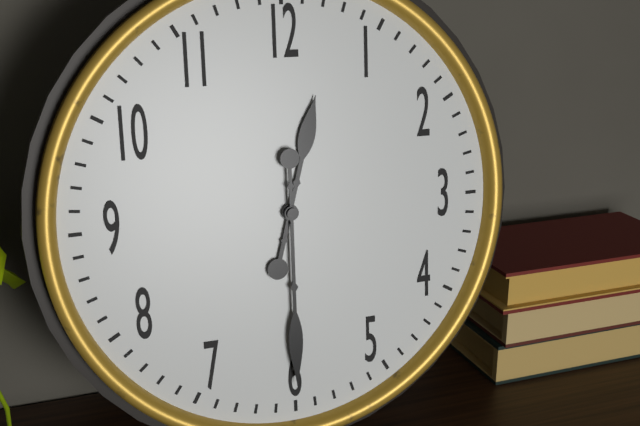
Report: 12:30
